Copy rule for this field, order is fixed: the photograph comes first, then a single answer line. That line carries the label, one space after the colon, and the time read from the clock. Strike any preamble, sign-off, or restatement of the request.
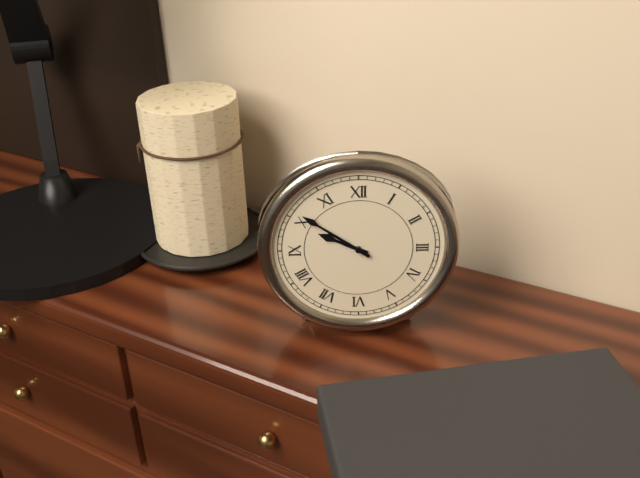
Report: 9:51
